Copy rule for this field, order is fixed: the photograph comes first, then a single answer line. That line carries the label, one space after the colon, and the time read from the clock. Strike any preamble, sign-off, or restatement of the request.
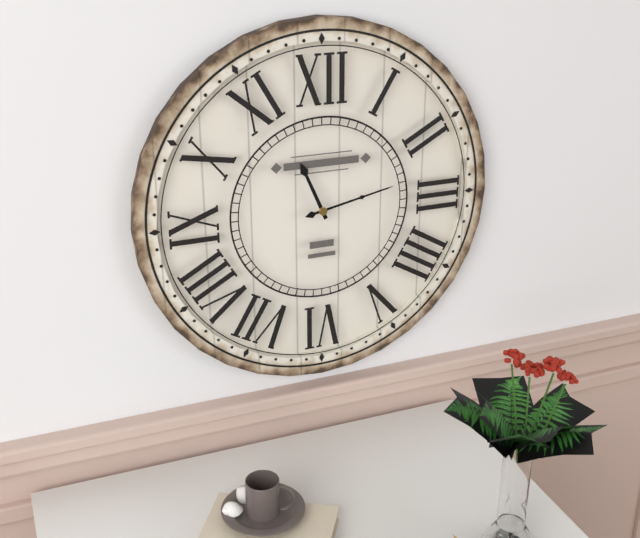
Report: 11:13
